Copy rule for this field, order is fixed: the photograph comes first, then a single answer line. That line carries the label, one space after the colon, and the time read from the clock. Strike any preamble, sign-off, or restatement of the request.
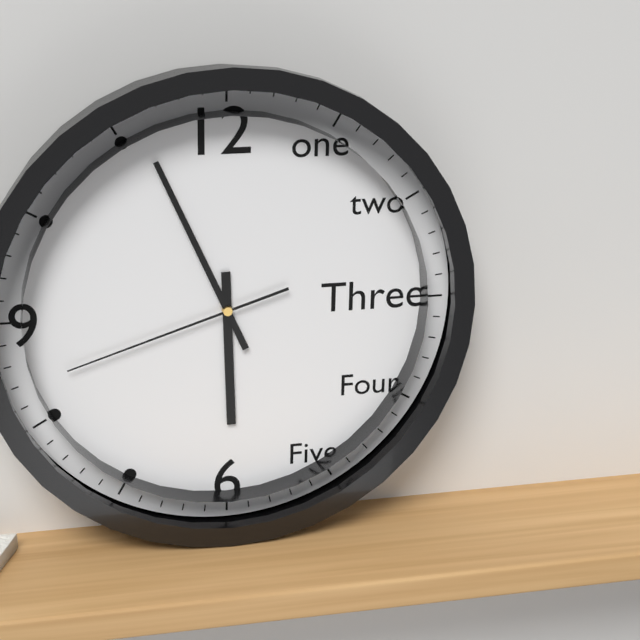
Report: 5:56:42
